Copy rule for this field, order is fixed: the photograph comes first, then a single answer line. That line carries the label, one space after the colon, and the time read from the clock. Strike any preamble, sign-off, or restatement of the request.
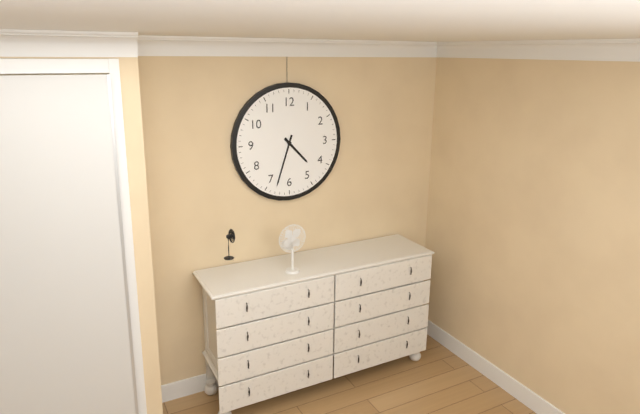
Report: 4:33
